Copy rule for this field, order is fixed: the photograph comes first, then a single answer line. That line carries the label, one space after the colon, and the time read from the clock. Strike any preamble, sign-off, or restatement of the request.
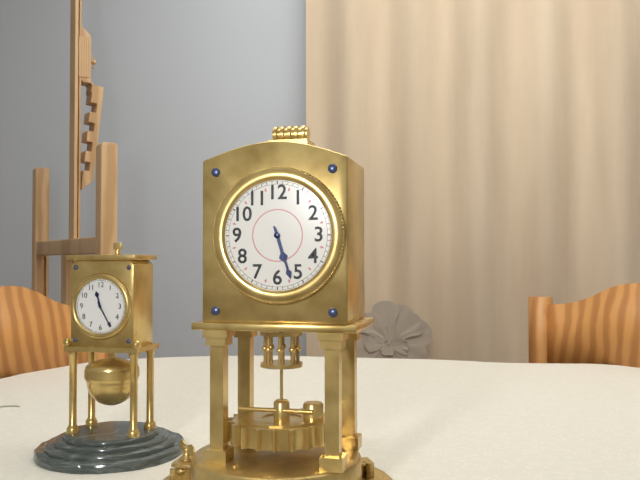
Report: 5:27
